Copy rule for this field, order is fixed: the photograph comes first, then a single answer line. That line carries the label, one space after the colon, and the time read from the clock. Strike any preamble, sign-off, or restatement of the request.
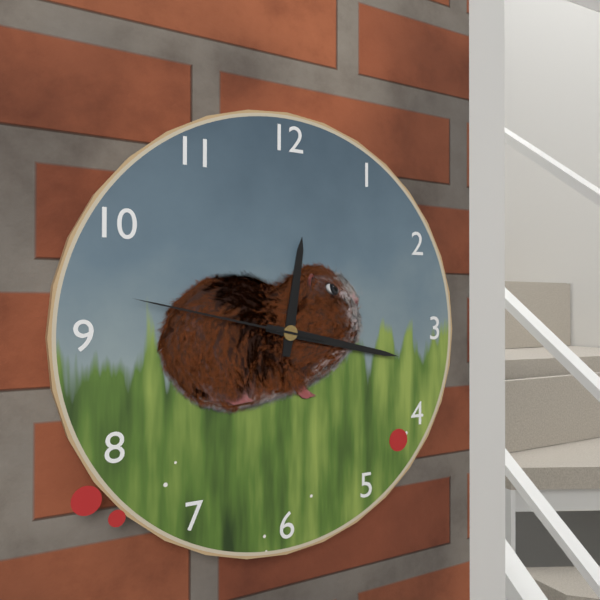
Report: 12:17:47
